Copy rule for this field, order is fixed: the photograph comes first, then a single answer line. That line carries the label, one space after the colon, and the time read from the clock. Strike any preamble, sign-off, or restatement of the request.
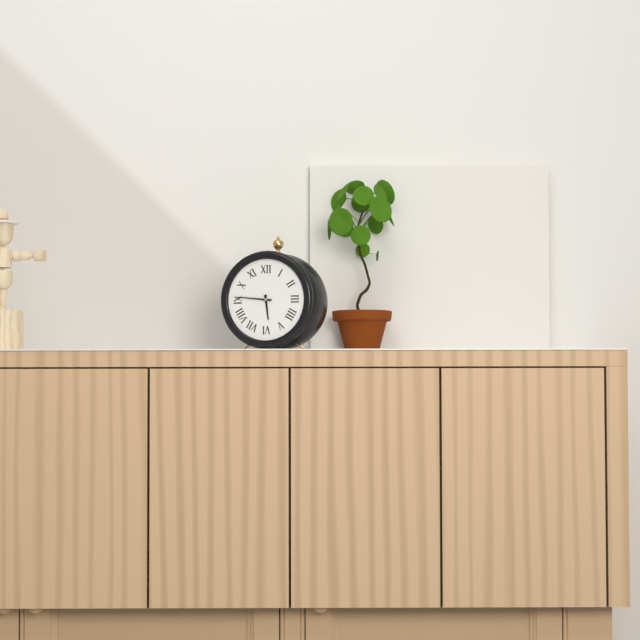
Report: 5:46
